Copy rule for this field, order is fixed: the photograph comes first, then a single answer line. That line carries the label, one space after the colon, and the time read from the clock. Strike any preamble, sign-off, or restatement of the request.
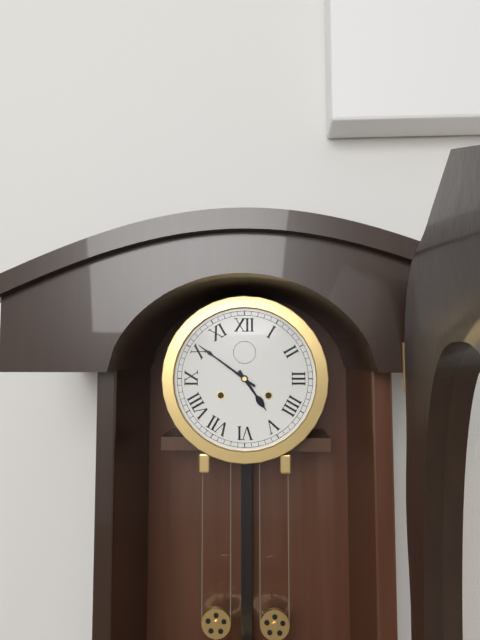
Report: 4:51
